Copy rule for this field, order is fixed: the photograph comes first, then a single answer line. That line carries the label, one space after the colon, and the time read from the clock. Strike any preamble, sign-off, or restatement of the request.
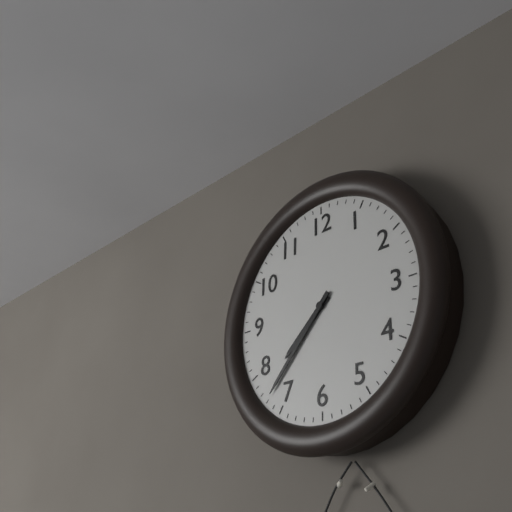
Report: 7:37
